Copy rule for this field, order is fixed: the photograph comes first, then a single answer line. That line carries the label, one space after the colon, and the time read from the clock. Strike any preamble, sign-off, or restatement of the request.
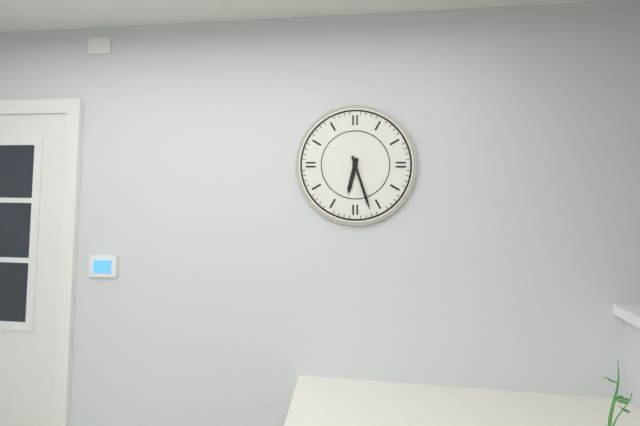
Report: 6:27
